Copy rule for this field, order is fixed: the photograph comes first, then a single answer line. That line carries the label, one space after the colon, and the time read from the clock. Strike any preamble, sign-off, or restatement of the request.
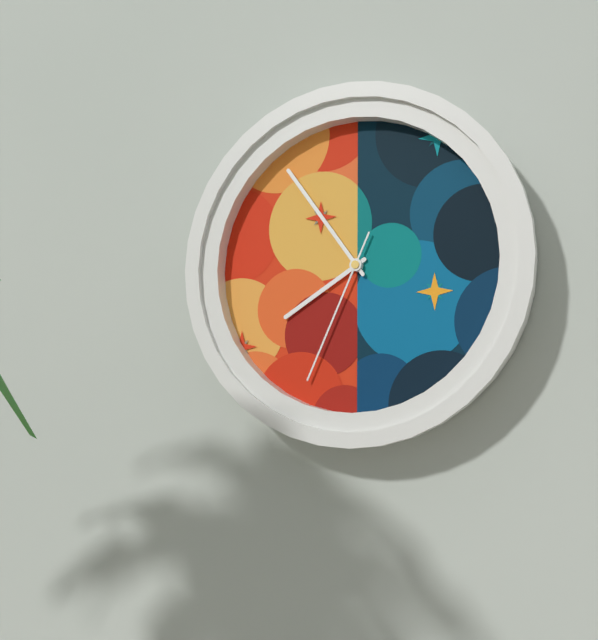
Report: 7:54:34
